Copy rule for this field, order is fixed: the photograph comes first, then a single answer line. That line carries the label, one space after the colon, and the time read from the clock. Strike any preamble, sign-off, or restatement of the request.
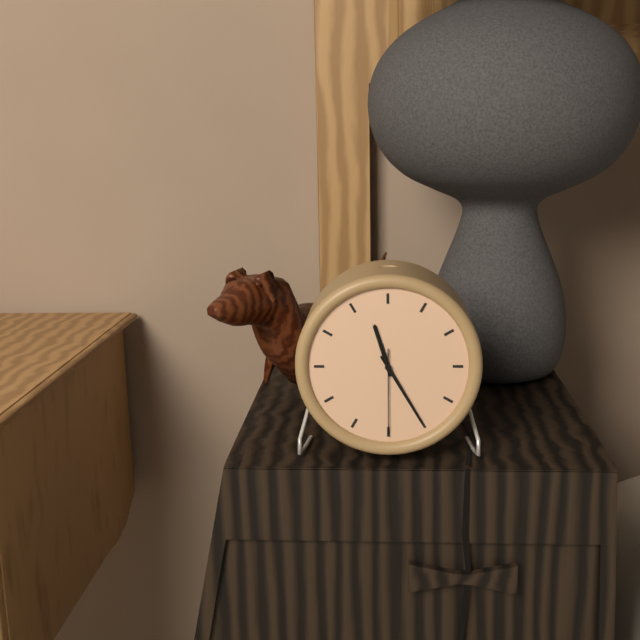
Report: 11:25:30
